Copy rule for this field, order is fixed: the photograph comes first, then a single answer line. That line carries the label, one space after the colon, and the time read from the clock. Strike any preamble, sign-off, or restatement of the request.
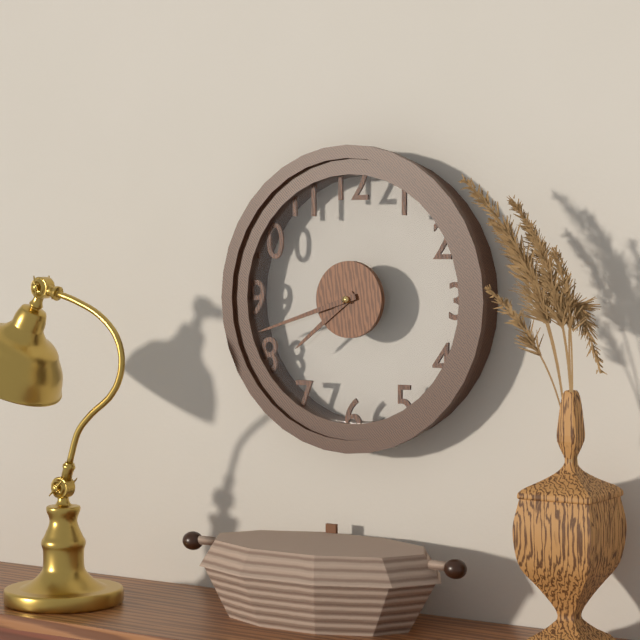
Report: 7:42
